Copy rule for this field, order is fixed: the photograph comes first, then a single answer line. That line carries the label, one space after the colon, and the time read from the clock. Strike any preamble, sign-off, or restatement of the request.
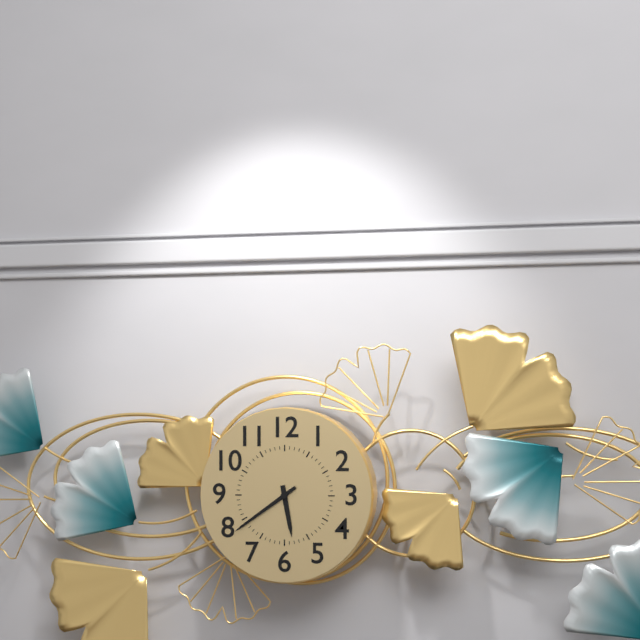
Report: 5:39
